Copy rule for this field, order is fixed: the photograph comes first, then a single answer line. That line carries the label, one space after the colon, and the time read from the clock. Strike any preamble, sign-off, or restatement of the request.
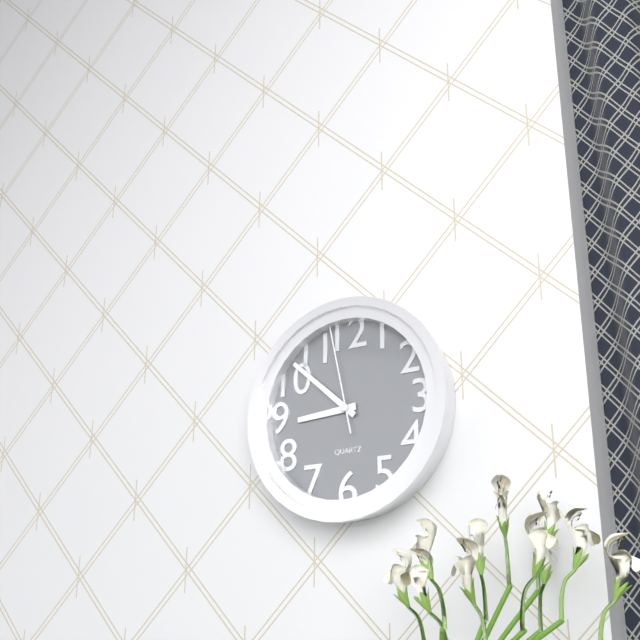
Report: 8:52:58
